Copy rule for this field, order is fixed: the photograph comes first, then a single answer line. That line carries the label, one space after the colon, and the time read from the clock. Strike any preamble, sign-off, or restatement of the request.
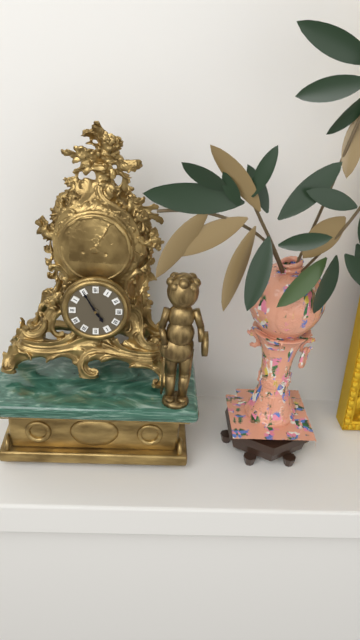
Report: 4:55
